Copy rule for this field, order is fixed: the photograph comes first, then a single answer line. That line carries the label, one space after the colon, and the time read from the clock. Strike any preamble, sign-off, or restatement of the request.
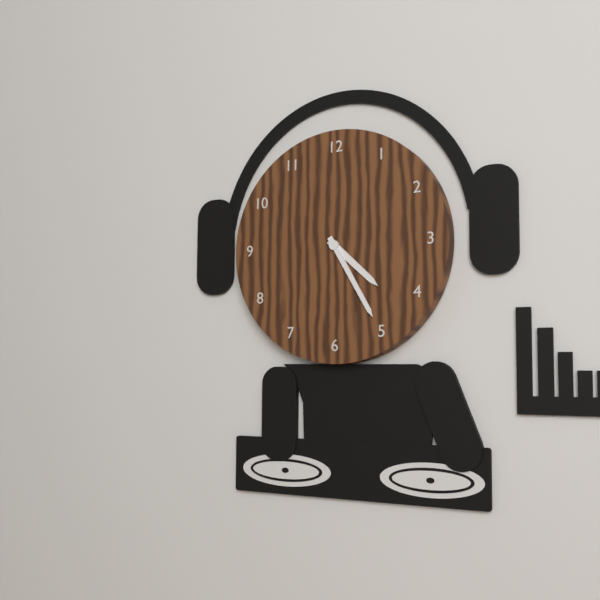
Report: 4:25
